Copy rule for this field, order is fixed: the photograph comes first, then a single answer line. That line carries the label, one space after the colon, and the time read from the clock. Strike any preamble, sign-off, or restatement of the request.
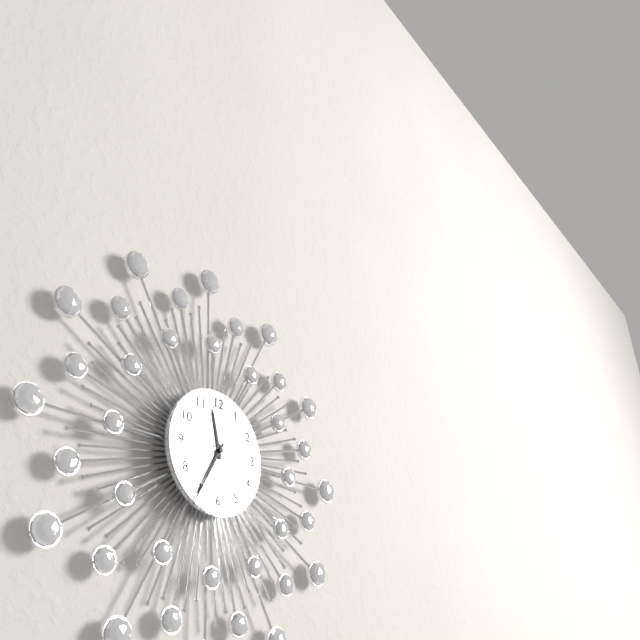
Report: 11:35:48
